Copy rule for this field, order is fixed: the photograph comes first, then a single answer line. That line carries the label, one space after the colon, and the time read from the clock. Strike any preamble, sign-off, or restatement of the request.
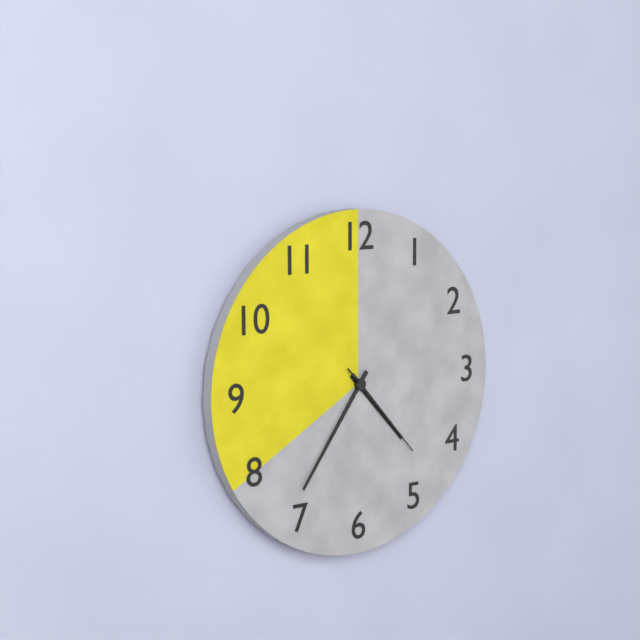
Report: 4:36:23
